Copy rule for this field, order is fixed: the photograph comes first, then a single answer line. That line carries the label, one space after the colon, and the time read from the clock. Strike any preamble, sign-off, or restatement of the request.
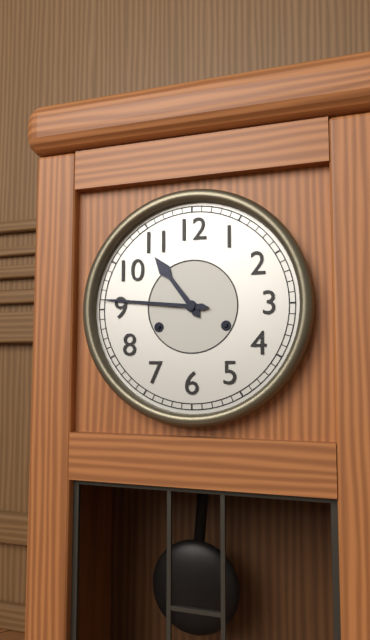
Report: 10:46
